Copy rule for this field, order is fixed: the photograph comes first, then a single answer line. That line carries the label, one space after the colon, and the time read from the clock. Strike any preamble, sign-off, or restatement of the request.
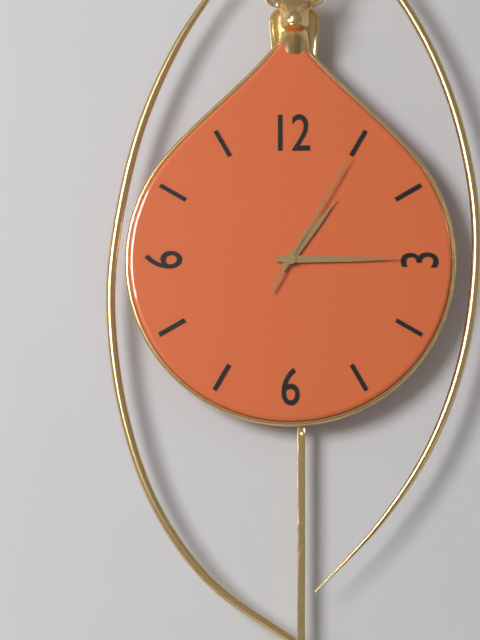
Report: 1:15:05
